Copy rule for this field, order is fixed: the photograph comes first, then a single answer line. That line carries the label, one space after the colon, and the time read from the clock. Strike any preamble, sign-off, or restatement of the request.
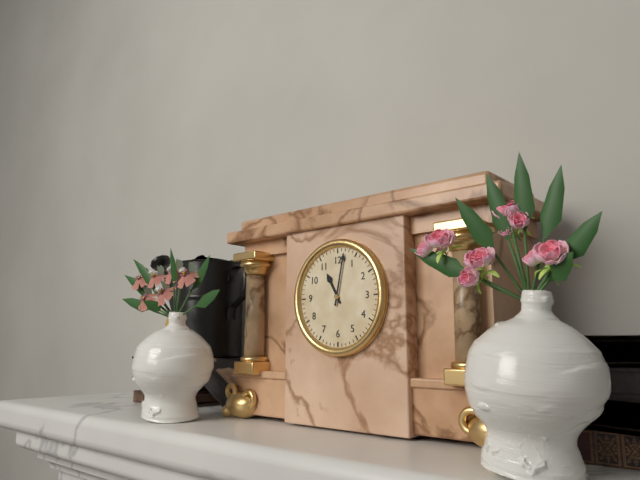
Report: 11:02
